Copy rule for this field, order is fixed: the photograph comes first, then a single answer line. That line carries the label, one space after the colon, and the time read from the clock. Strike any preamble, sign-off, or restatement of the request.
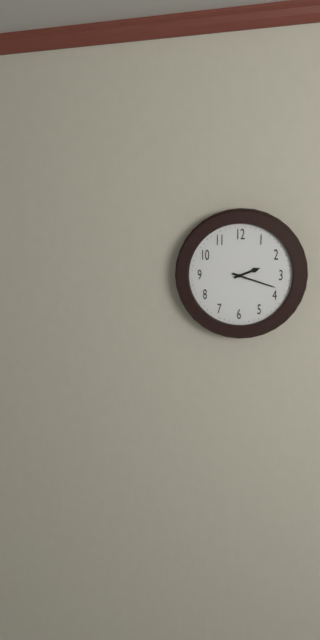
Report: 2:18
